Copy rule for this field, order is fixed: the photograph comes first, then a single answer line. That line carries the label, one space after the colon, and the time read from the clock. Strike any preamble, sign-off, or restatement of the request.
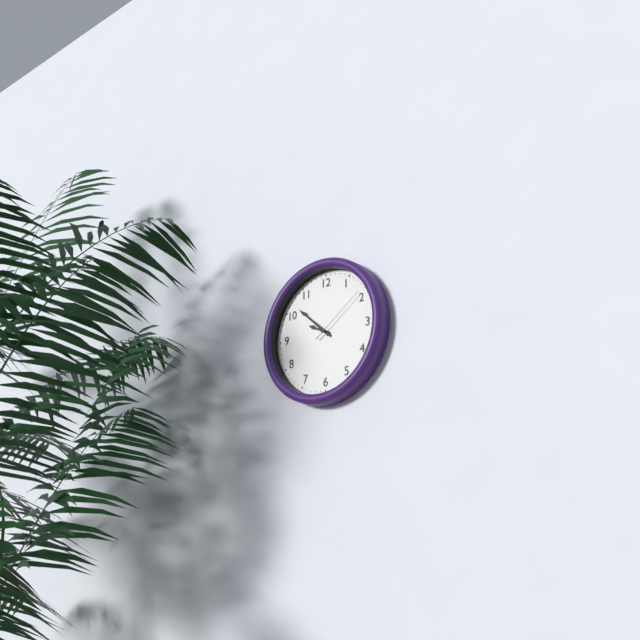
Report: 9:52:09
